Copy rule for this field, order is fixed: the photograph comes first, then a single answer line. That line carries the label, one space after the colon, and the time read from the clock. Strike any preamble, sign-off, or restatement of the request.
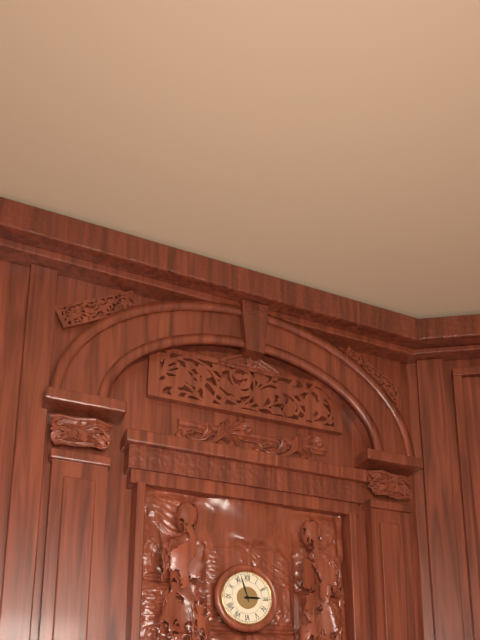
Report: 2:57
